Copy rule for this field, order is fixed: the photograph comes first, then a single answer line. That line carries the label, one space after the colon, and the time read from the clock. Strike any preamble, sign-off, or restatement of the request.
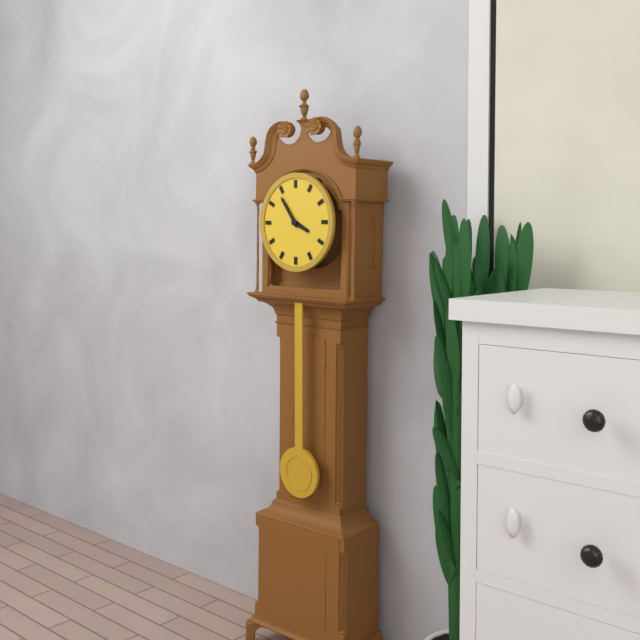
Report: 3:54
